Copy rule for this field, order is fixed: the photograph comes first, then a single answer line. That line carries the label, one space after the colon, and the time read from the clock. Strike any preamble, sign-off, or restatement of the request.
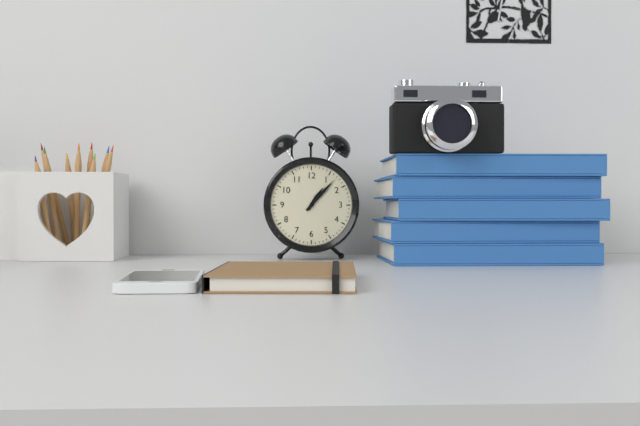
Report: 1:07
